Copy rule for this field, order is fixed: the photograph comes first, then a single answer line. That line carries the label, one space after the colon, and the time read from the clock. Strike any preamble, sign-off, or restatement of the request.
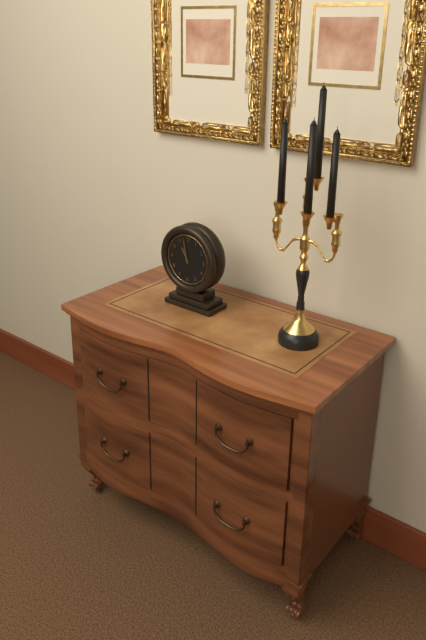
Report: 10:58
